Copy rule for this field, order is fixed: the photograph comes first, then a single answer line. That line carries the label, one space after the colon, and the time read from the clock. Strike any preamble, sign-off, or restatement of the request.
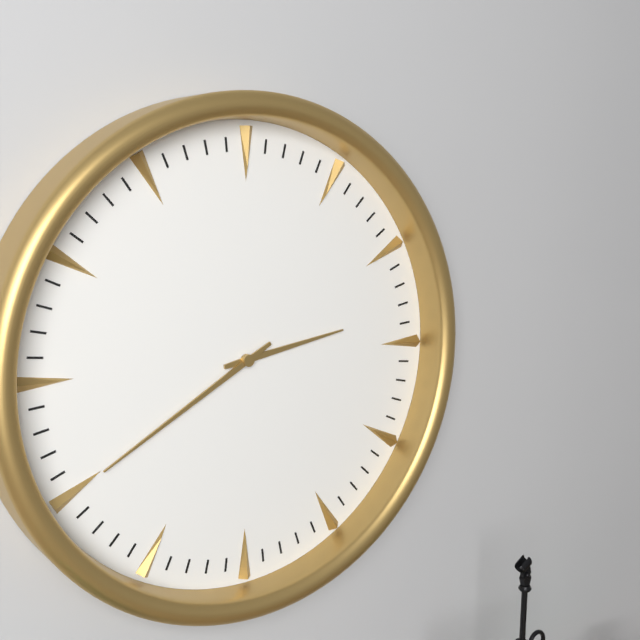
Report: 2:40
